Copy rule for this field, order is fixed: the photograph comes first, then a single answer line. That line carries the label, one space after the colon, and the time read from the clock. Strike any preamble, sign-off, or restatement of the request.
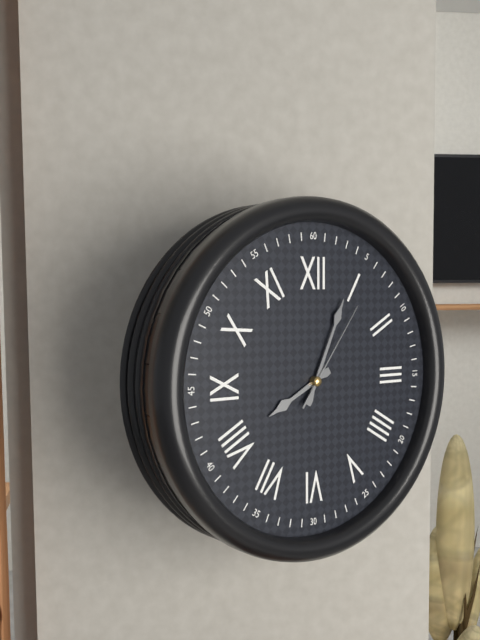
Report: 8:04:06
